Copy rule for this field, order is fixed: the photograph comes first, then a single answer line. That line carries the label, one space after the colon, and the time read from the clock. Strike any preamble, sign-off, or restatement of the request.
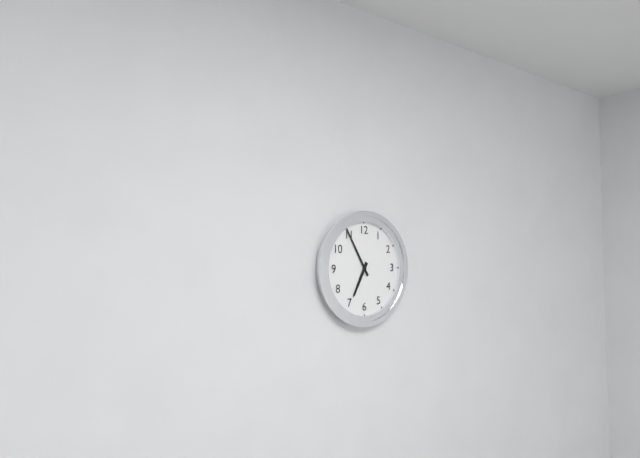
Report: 6:55
